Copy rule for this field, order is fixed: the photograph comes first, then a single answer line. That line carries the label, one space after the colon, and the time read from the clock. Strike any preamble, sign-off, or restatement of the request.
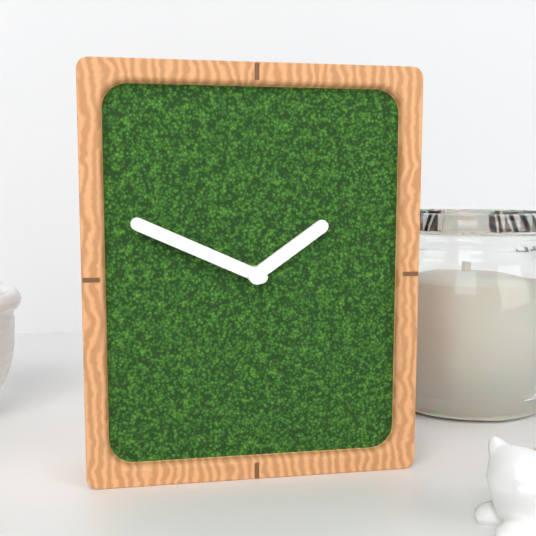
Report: 1:49
